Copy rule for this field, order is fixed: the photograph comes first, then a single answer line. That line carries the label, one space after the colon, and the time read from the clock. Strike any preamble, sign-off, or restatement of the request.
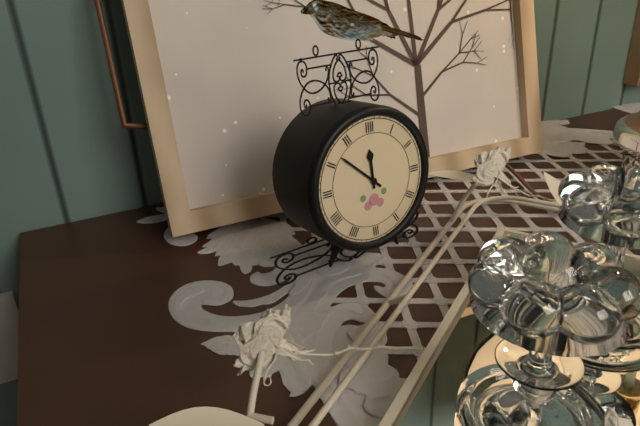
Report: 11:52
